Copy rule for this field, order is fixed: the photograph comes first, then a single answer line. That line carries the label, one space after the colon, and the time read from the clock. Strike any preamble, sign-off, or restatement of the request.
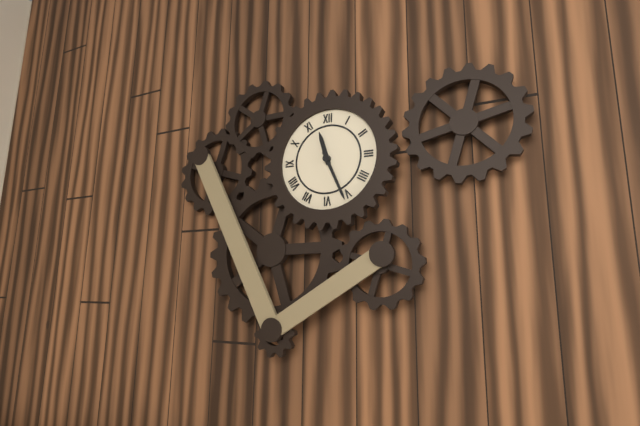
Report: 11:26
